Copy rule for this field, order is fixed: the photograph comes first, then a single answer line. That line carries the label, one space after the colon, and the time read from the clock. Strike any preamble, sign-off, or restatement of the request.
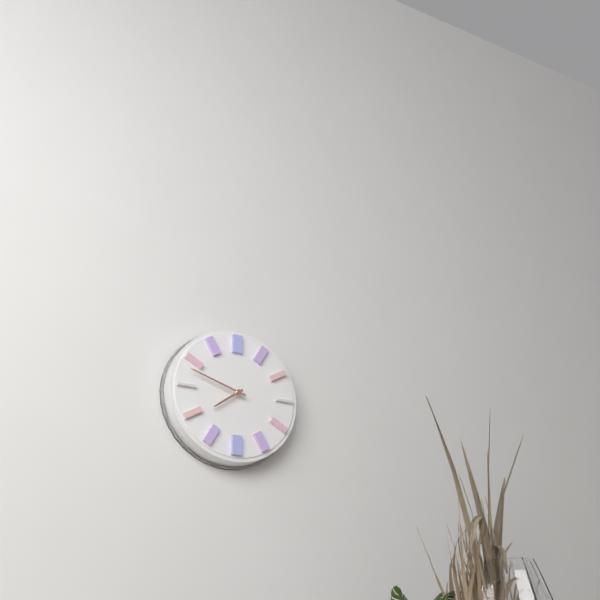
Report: 7:48
